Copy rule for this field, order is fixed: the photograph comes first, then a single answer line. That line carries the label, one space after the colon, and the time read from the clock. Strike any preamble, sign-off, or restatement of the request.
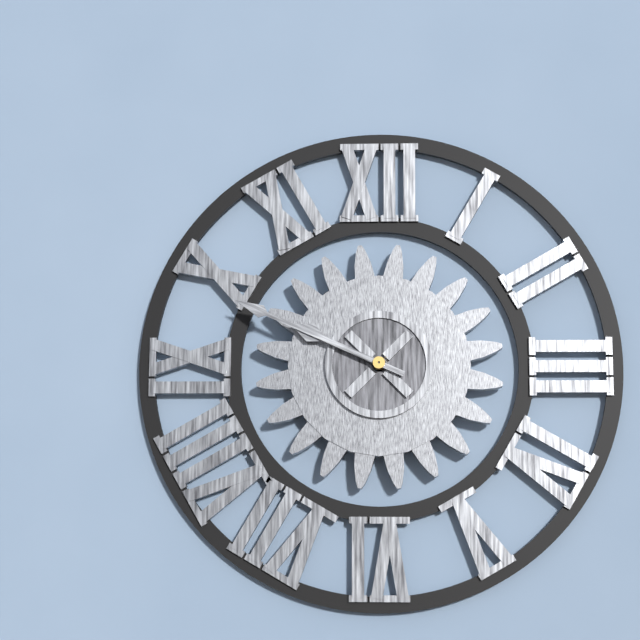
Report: 9:49
